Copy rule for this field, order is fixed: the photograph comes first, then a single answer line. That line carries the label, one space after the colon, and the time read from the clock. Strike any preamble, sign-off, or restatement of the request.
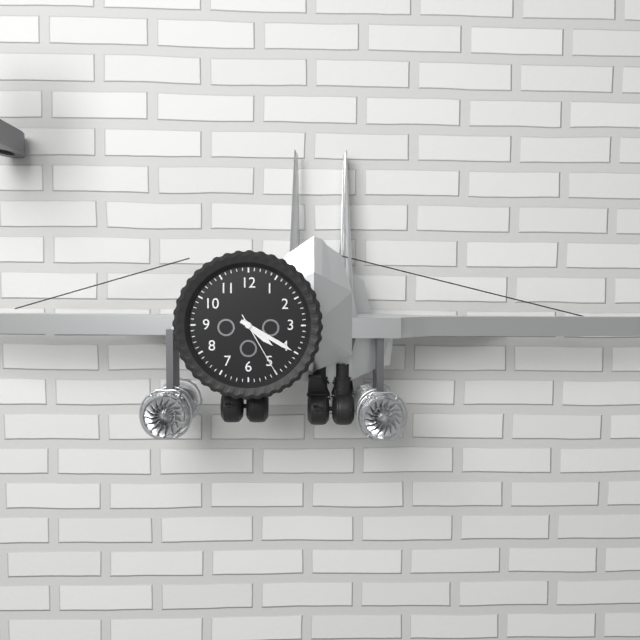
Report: 4:20:25
